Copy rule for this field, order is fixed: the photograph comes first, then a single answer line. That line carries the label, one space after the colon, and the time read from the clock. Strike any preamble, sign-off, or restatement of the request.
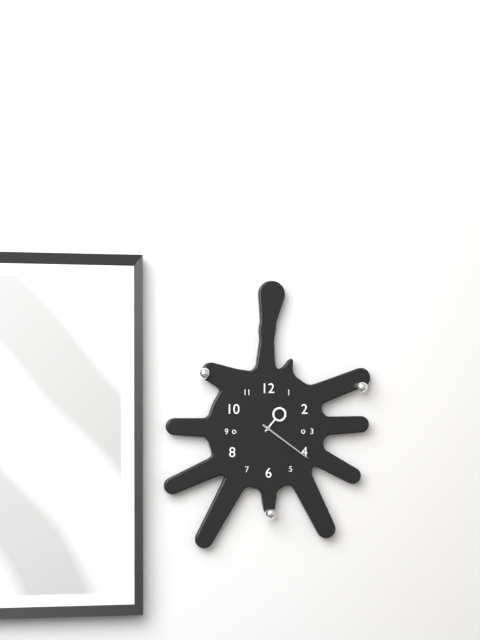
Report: 1:21
